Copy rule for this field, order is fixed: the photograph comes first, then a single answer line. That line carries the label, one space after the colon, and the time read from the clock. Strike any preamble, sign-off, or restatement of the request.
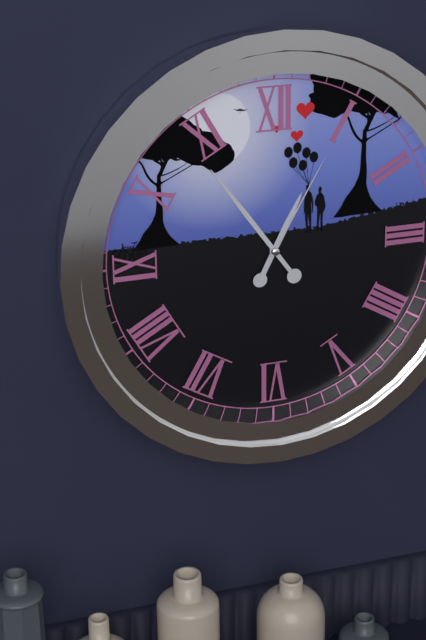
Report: 12:54:05
